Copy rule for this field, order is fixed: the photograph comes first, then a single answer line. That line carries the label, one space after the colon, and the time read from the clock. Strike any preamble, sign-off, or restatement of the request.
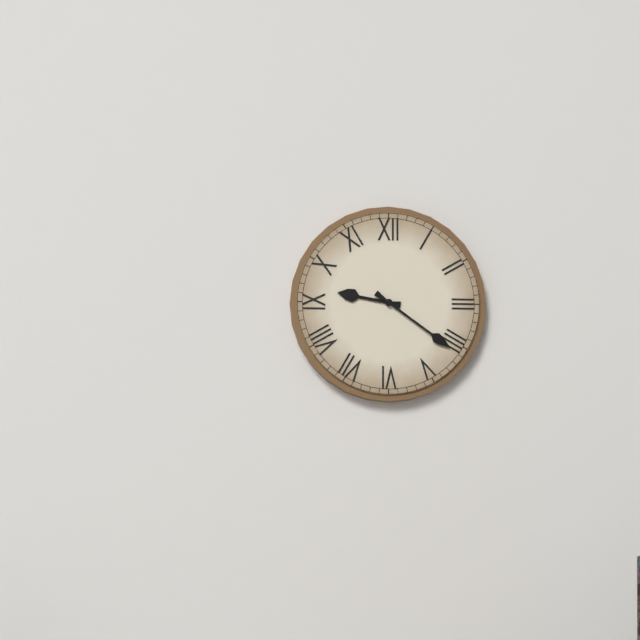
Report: 9:21
